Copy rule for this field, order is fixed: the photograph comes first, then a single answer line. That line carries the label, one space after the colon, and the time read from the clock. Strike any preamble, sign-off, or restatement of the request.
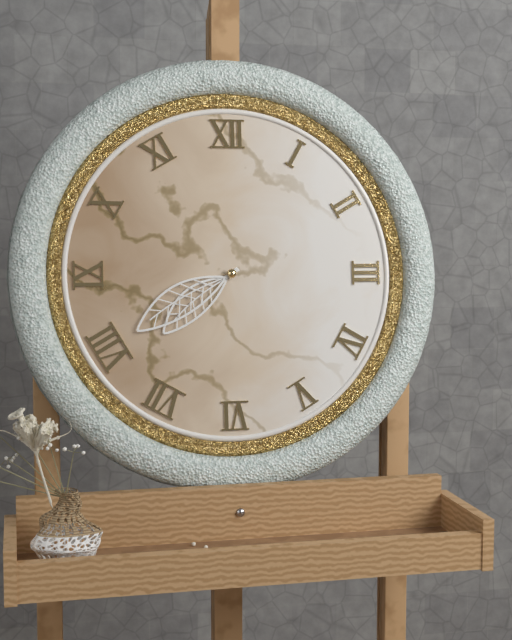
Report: 7:40
